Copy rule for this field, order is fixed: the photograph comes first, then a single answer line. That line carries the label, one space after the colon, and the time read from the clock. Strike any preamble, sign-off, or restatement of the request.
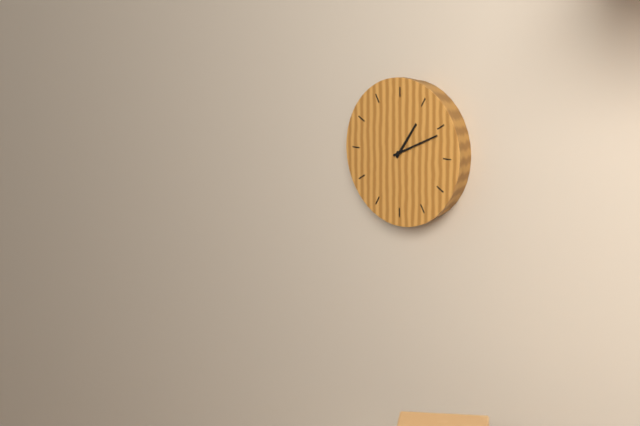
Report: 1:11
